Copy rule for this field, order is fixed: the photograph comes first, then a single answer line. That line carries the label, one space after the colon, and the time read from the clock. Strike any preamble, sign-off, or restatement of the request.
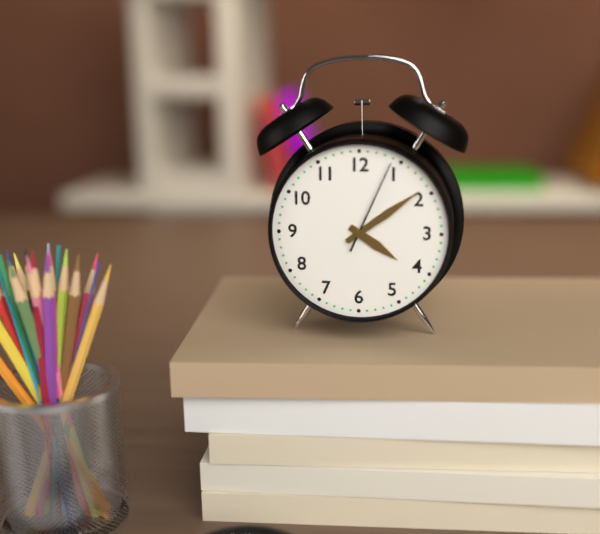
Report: 4:09:04
